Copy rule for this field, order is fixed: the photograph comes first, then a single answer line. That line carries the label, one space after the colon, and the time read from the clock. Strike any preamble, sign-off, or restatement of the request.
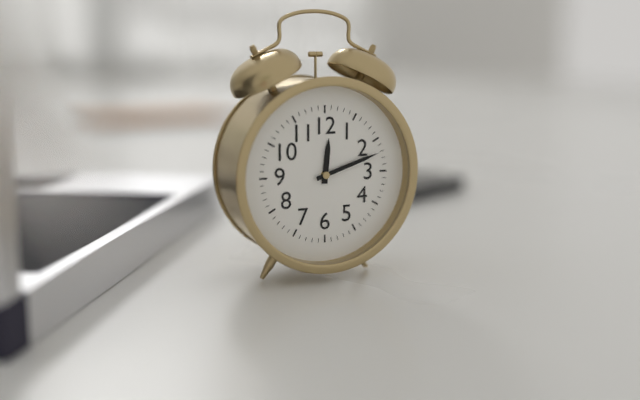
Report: 12:12
